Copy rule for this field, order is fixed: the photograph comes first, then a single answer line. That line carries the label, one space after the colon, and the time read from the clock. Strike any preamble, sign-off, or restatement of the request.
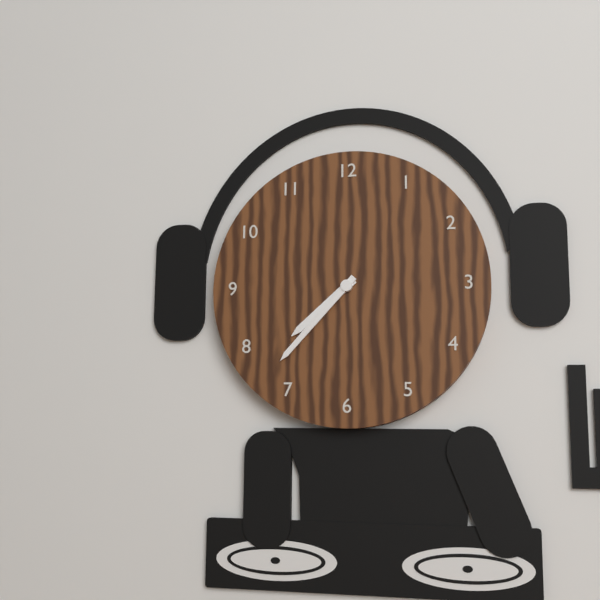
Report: 7:37
